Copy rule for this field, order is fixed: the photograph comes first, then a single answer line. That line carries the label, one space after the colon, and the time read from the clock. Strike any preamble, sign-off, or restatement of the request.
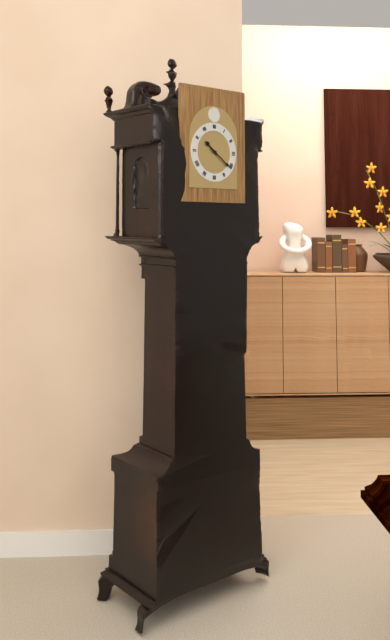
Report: 10:21
